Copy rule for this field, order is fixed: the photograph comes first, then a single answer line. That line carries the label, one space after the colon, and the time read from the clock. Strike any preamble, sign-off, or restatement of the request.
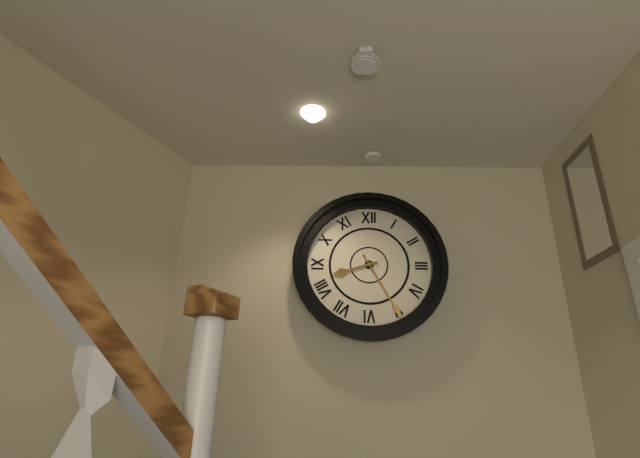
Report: 8:25
